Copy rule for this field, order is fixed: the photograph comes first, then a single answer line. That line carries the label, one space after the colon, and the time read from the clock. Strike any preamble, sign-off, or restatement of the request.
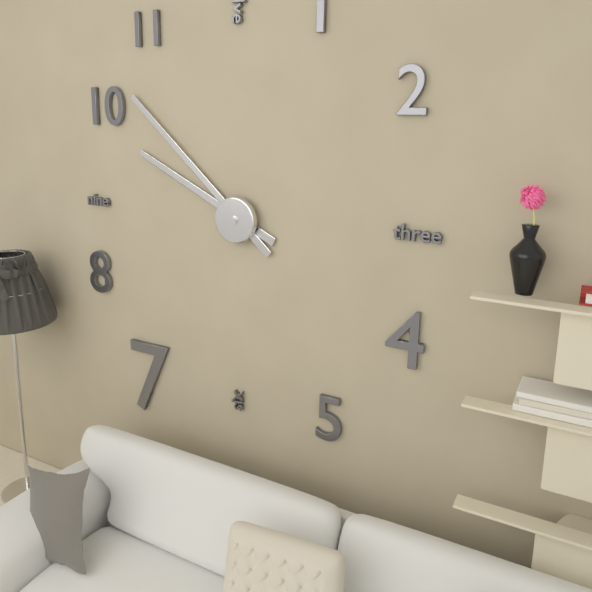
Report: 9:52
